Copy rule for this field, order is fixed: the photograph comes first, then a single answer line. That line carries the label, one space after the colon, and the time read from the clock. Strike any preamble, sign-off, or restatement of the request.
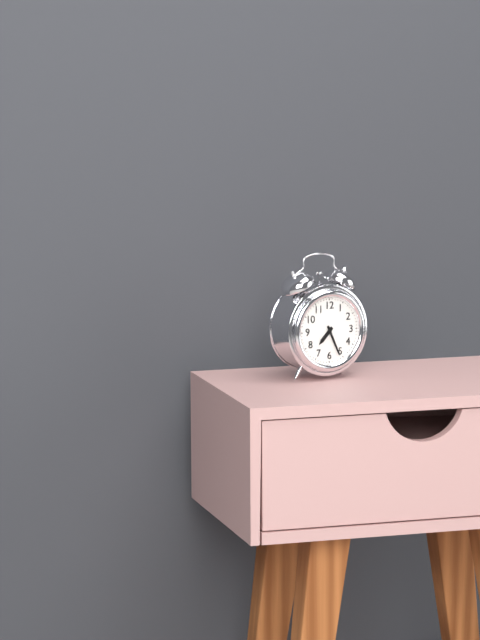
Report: 7:26
